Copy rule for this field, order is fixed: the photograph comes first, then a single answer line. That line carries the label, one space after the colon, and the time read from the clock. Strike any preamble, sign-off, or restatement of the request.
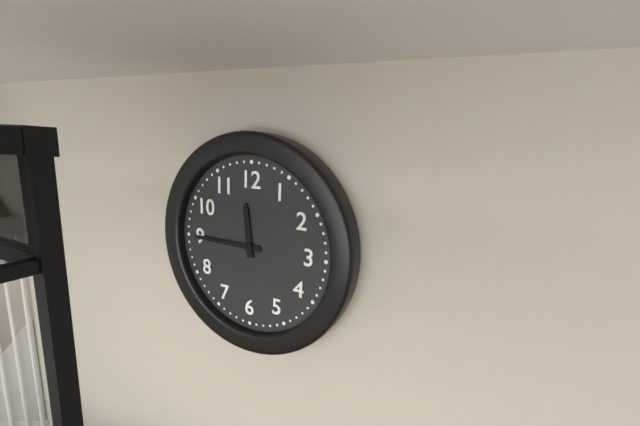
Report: 11:45
